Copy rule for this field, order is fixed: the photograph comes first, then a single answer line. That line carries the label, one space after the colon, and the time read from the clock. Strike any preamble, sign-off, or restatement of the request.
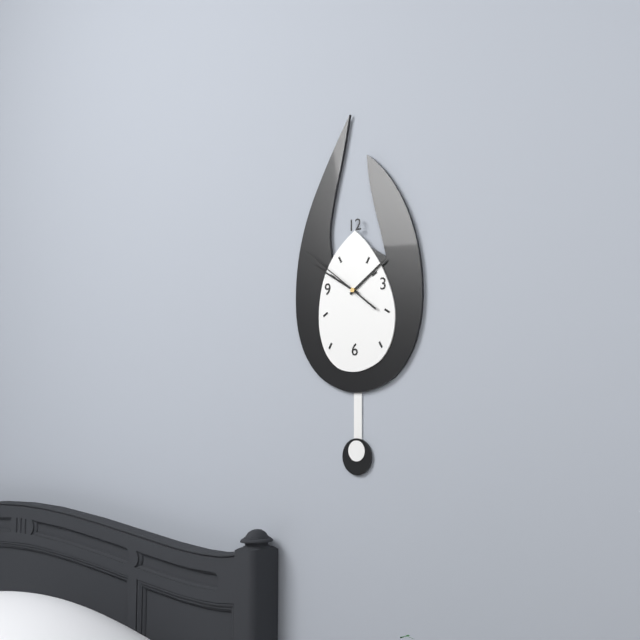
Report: 1:50:51
